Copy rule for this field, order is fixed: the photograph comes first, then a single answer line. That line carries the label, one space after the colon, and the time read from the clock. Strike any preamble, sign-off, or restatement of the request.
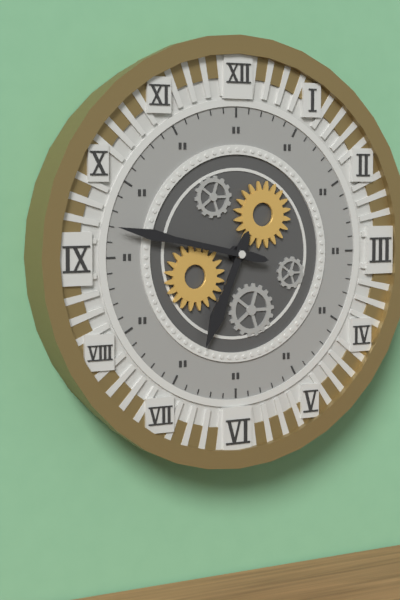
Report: 6:47
